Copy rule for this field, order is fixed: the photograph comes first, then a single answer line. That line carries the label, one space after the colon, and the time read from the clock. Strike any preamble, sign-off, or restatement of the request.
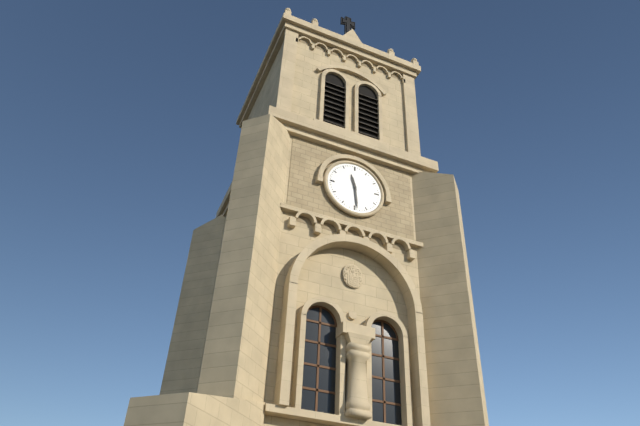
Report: 11:29
